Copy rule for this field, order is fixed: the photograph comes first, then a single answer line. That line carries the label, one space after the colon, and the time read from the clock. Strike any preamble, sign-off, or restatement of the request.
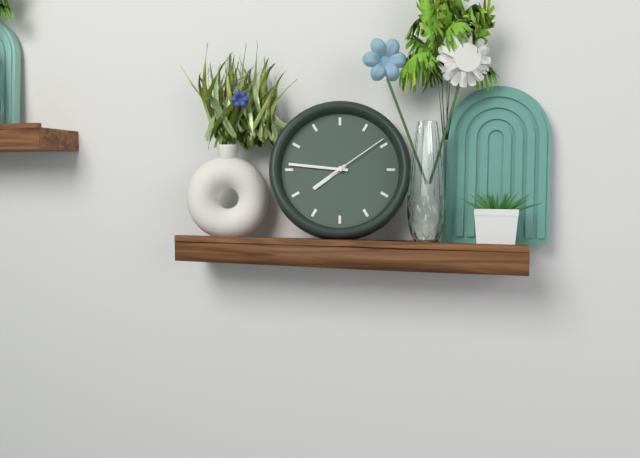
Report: 7:46:09
